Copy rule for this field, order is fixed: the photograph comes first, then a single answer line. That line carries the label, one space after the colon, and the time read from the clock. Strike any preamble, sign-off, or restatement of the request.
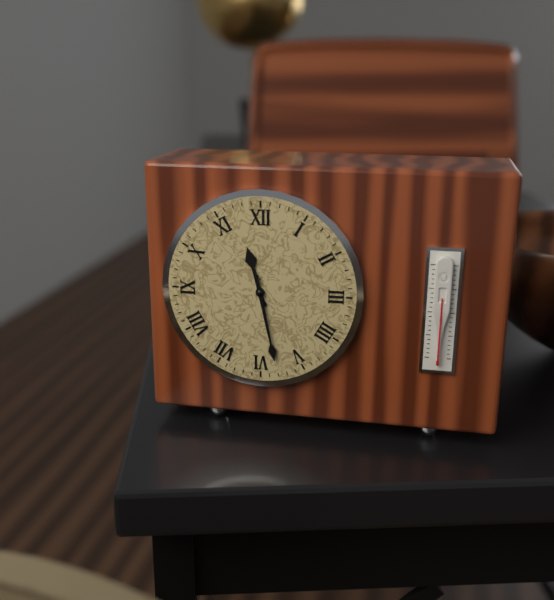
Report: 11:28
